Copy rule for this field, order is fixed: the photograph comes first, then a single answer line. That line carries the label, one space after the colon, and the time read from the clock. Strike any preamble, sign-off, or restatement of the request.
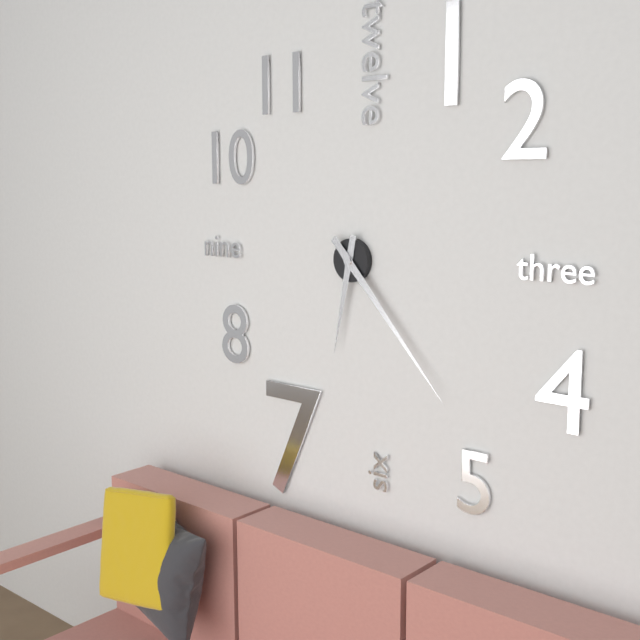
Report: 6:23
